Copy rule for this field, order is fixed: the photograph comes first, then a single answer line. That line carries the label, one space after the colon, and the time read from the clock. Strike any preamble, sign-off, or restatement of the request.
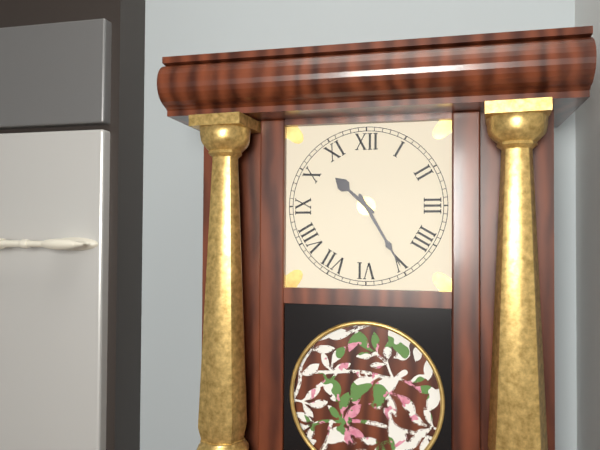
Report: 10:25
